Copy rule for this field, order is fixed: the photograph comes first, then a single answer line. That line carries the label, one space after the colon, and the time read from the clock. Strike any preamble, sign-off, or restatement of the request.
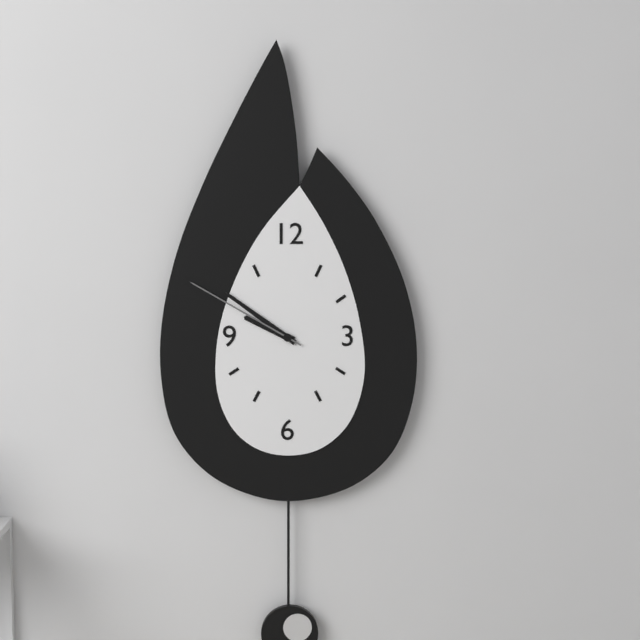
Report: 9:51:50
